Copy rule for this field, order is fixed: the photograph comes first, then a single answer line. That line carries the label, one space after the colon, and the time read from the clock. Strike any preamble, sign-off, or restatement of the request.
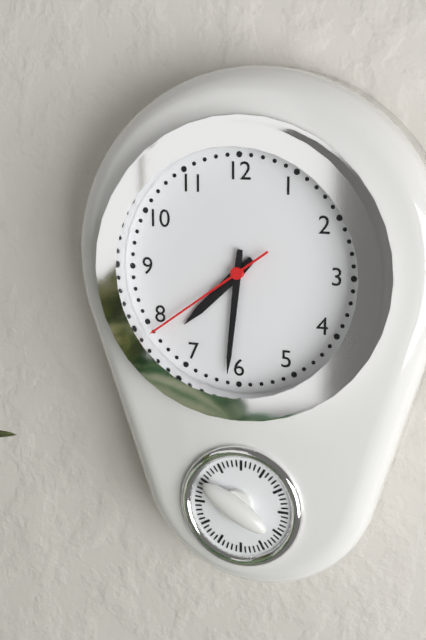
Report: 7:31:39
